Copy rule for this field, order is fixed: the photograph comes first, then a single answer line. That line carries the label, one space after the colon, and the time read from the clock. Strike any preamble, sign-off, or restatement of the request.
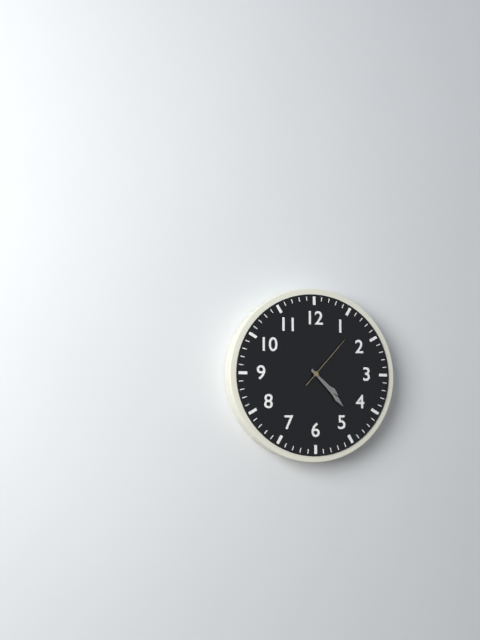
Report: 4:23:07
